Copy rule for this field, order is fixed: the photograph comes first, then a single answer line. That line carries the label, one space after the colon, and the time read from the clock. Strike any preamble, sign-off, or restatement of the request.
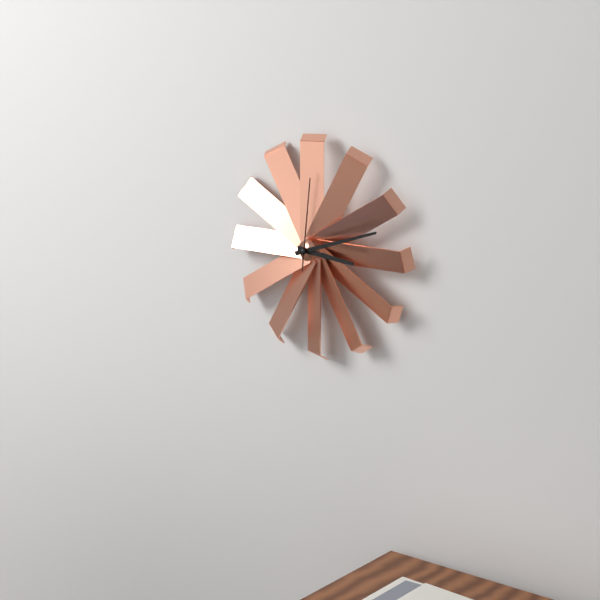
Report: 3:12:01
